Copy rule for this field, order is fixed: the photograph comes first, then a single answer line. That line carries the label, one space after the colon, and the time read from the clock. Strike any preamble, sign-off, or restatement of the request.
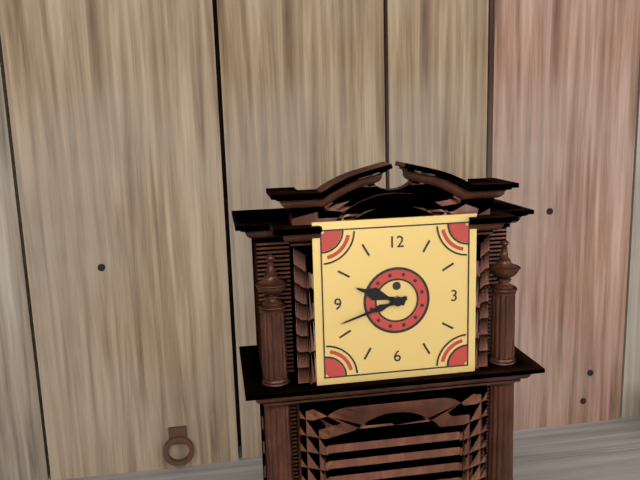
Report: 9:42
